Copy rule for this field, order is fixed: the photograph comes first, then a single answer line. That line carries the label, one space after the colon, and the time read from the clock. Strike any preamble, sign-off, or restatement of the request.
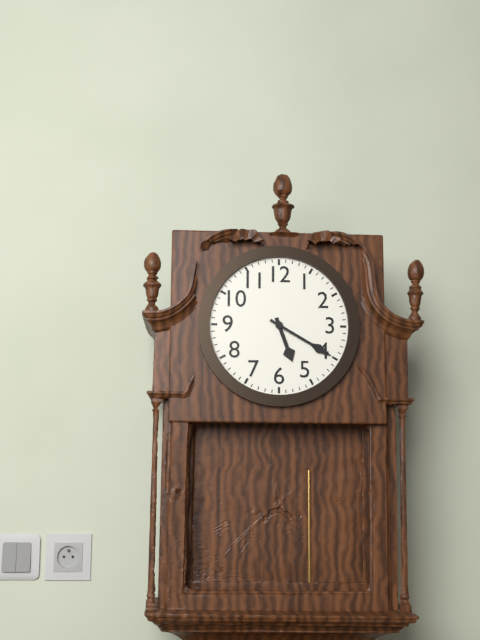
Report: 5:20
